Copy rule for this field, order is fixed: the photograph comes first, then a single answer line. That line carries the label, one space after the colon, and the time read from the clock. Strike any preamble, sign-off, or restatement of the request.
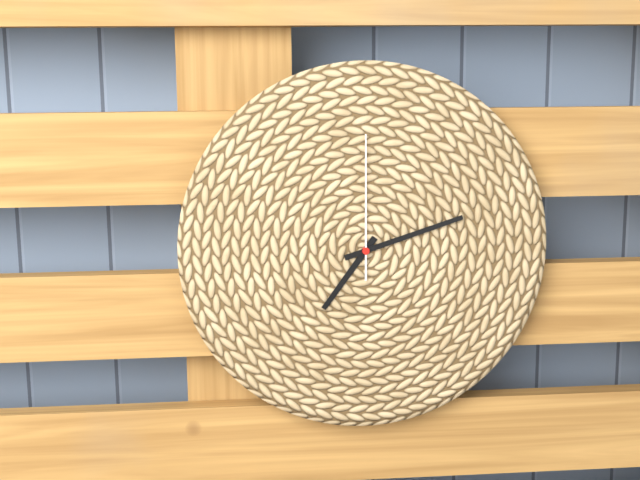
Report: 7:12:00
